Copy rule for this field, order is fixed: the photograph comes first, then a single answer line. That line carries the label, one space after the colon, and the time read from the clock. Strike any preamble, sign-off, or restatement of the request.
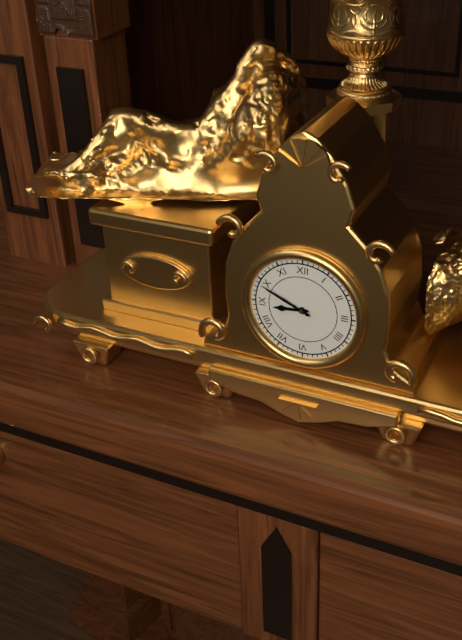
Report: 8:49
